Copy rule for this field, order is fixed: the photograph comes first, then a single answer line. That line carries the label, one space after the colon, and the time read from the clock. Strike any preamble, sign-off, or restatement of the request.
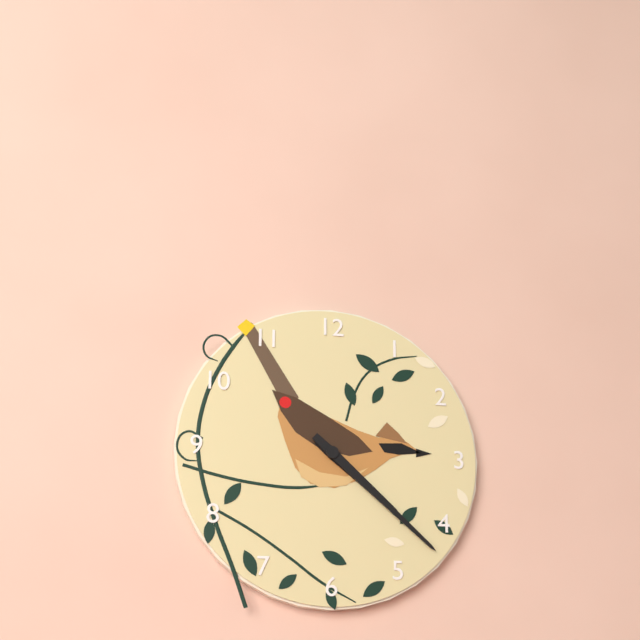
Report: 4:22
